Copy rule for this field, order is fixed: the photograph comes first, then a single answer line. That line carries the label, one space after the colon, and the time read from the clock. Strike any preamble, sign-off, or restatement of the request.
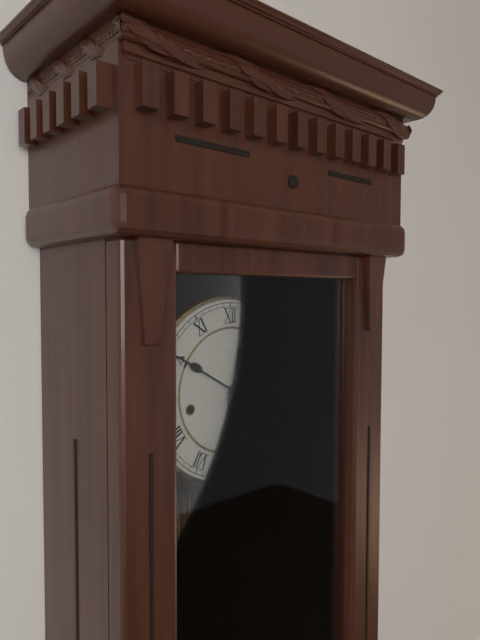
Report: 12:50
